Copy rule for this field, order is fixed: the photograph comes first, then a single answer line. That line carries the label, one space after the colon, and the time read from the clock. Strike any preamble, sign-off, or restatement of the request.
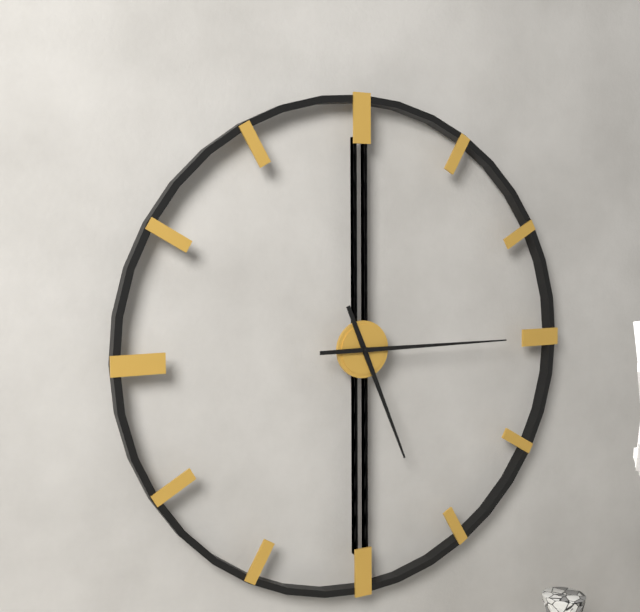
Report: 5:15
